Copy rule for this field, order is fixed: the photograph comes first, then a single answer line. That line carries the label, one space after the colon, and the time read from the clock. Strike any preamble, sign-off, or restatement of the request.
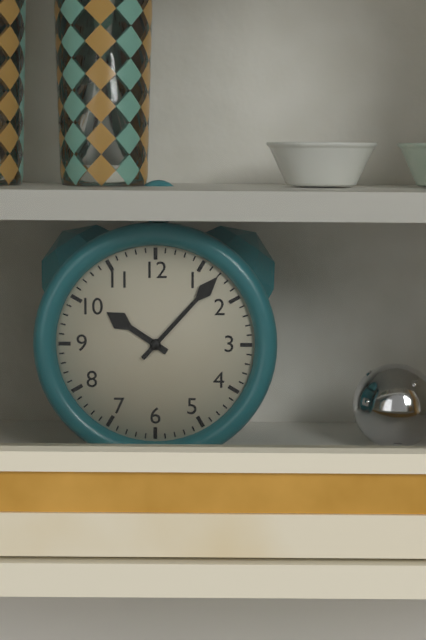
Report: 10:07
